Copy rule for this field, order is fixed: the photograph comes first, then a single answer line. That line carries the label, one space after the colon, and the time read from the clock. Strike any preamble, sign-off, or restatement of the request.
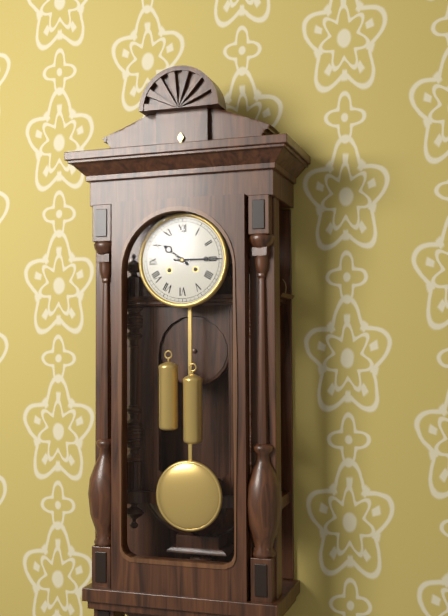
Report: 10:15
